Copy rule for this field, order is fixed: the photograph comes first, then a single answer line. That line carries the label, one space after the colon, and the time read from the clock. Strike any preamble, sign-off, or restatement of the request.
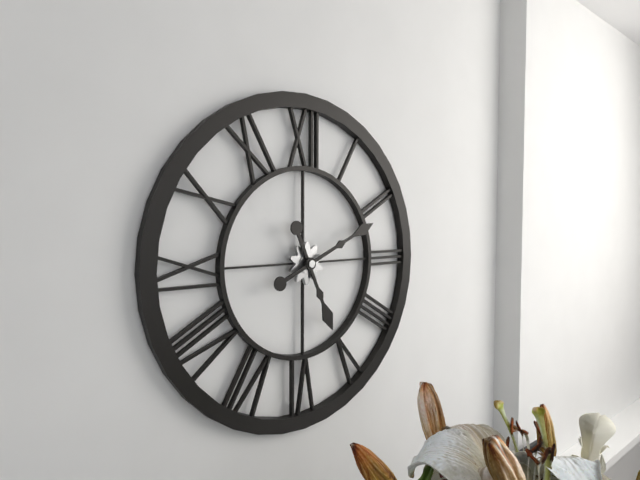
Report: 5:11
